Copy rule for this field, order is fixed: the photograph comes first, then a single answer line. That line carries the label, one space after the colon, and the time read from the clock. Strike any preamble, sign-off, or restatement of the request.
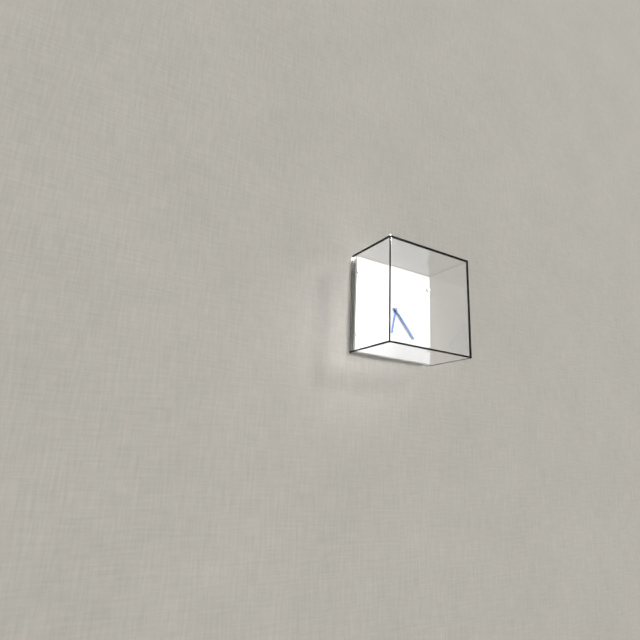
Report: 6:23
